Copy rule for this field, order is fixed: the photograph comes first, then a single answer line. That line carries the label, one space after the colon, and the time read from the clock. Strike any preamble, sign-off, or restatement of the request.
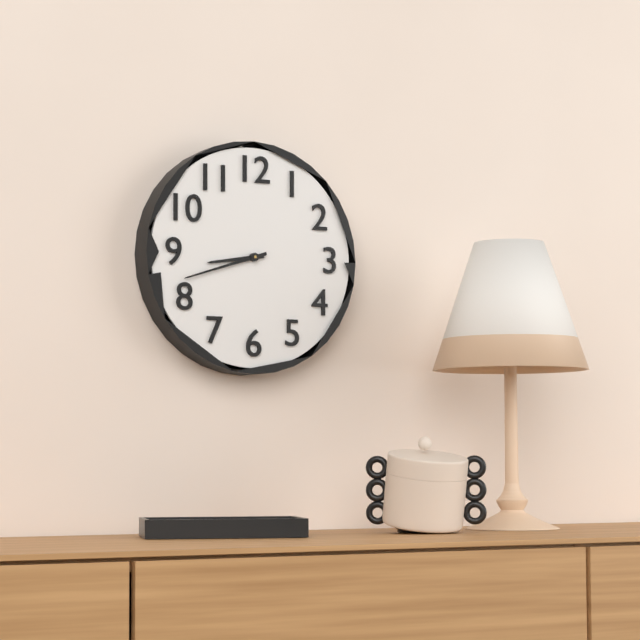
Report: 8:42
